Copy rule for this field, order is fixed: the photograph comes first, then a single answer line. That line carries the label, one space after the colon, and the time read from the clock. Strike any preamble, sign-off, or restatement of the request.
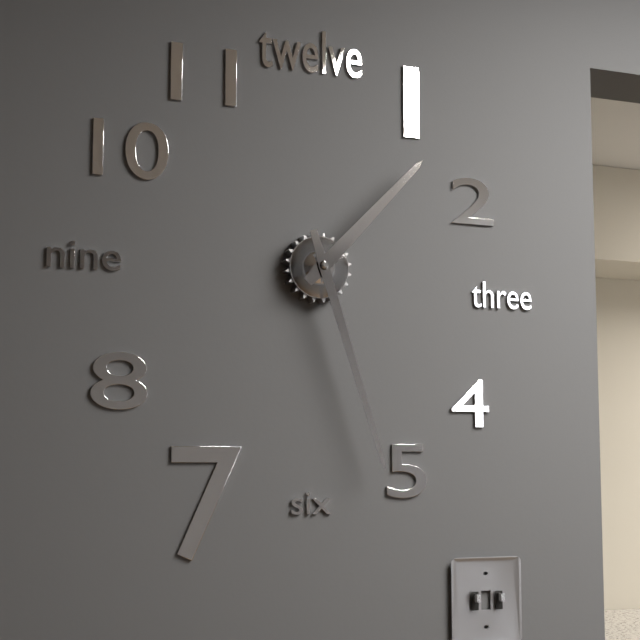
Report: 1:27
